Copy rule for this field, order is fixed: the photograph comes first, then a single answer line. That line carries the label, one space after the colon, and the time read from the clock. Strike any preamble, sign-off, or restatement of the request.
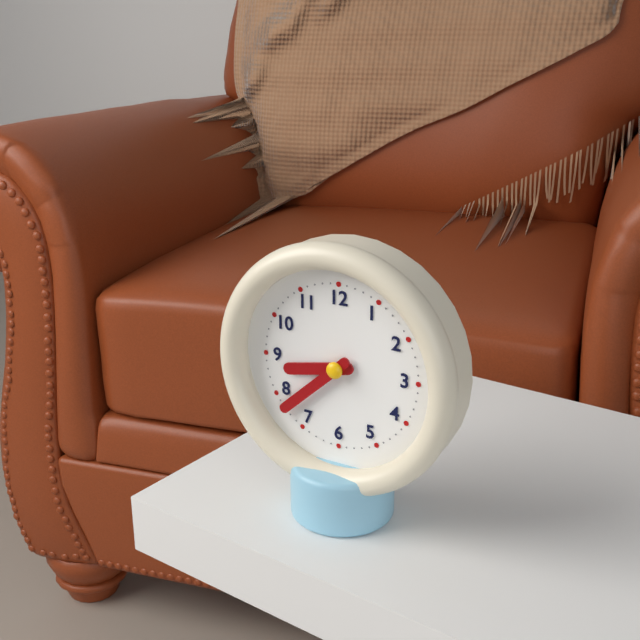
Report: 8:38
